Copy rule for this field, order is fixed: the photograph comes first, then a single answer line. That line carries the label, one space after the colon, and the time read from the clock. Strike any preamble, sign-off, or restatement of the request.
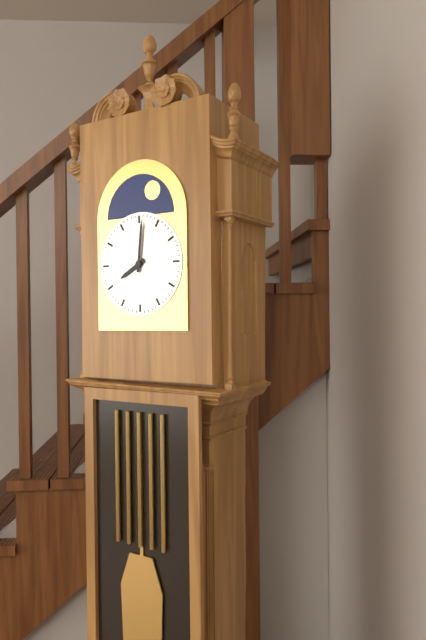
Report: 8:01
